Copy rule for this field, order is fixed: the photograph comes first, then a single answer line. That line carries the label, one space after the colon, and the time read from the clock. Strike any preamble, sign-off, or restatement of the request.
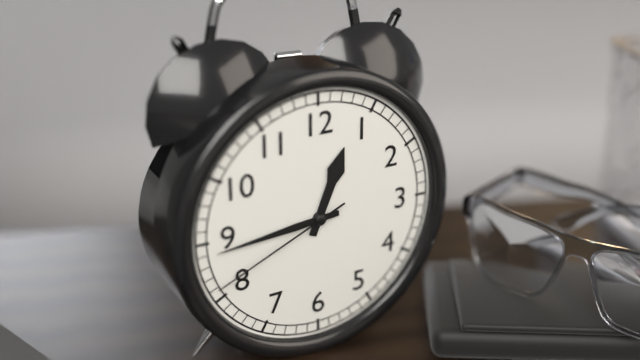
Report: 12:44:41
